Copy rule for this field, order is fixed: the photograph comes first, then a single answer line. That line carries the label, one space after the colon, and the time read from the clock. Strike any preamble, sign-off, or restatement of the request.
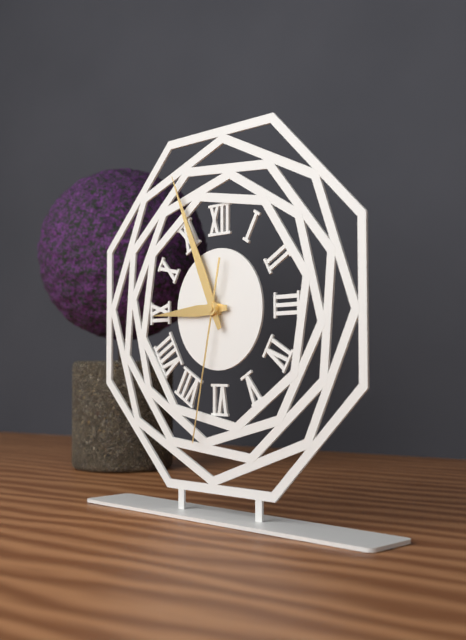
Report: 8:56:32
